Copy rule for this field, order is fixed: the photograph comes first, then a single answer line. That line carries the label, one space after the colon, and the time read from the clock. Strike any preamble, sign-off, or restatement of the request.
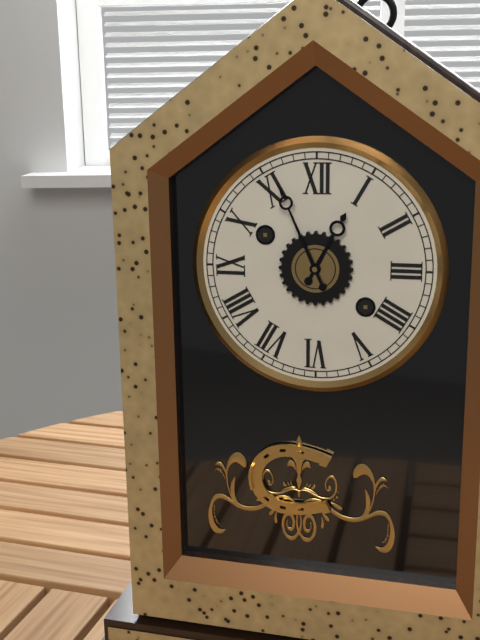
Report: 12:56
